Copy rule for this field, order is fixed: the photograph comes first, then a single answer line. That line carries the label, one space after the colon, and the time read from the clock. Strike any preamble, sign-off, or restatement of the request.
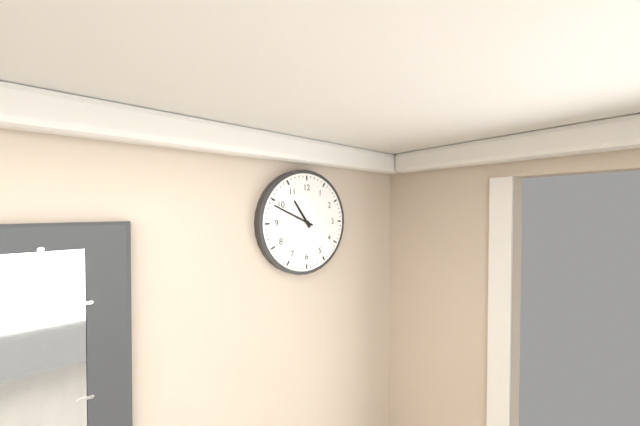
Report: 10:49
